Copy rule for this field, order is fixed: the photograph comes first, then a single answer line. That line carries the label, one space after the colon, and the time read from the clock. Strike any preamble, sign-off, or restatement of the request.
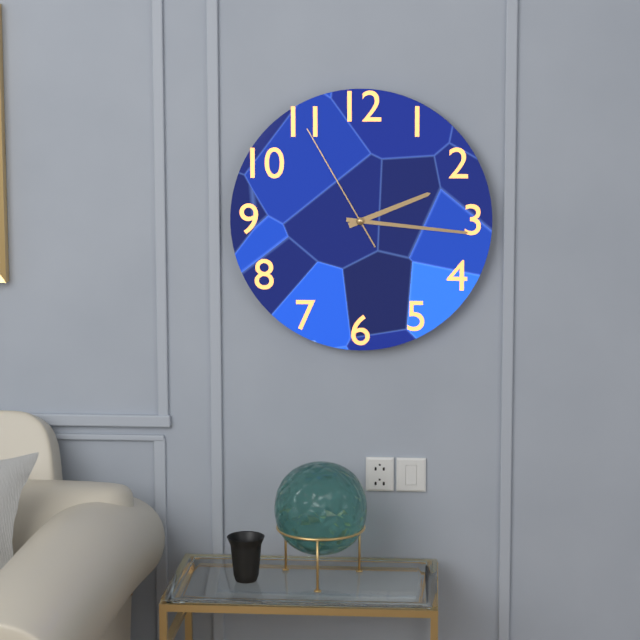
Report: 2:16:55
